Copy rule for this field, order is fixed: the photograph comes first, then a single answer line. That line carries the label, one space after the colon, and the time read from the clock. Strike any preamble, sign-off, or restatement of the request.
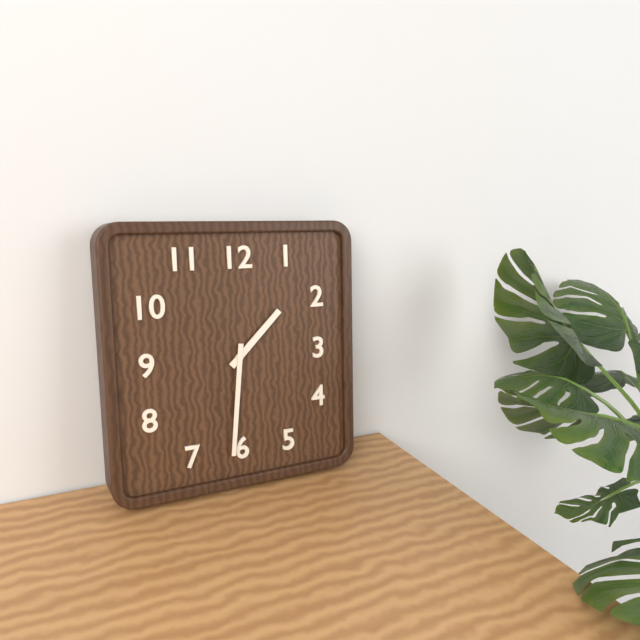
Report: 1:31
